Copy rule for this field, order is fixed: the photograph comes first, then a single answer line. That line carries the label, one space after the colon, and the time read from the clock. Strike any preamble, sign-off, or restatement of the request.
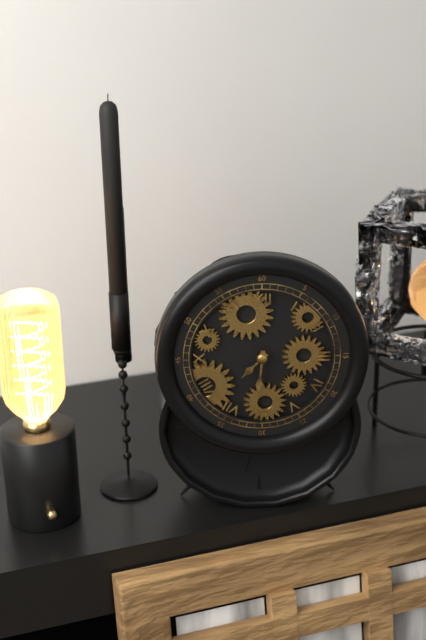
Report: 7:31
